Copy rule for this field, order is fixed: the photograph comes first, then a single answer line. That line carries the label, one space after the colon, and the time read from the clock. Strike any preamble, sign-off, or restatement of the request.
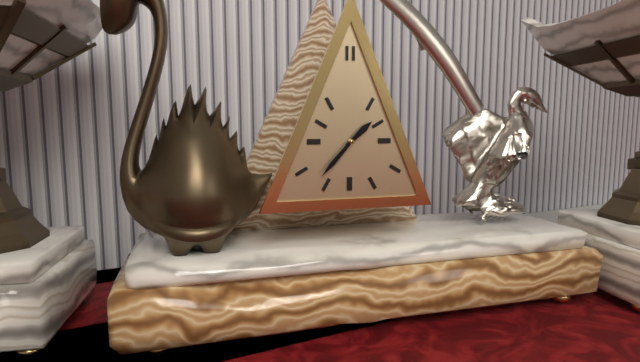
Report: 1:37
